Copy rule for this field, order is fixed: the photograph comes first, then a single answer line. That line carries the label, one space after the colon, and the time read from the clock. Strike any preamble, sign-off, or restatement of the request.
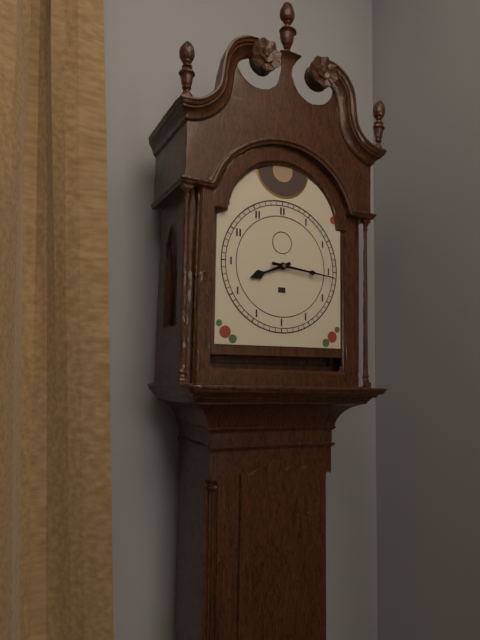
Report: 8:16
